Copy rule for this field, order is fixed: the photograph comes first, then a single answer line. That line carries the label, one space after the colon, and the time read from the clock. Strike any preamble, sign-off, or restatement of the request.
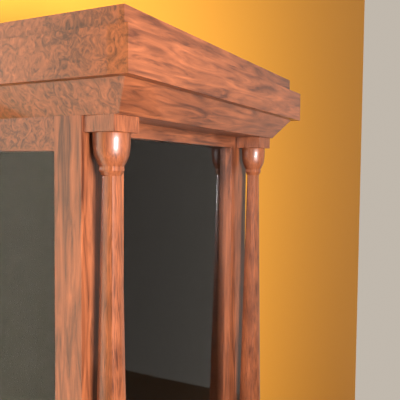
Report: 1:21
